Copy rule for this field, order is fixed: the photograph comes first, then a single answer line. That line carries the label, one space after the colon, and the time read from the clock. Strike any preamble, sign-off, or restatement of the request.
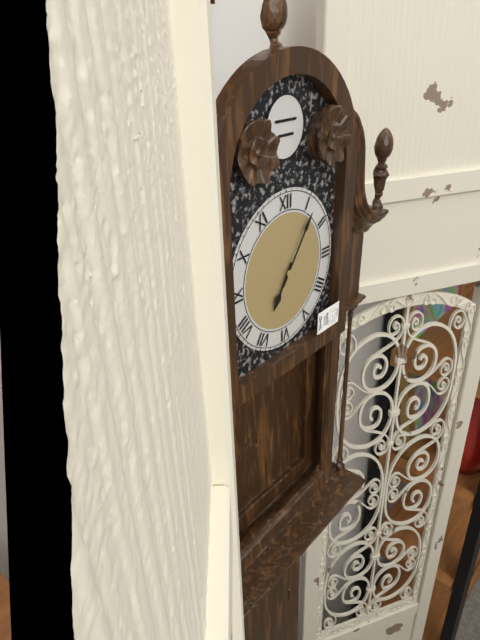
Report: 7:06
